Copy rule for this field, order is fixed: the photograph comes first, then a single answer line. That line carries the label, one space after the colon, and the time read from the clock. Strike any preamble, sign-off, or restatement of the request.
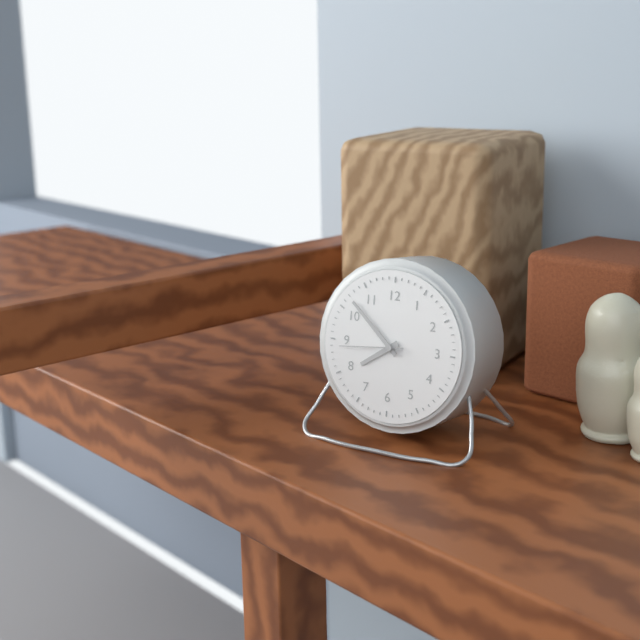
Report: 7:52:44
